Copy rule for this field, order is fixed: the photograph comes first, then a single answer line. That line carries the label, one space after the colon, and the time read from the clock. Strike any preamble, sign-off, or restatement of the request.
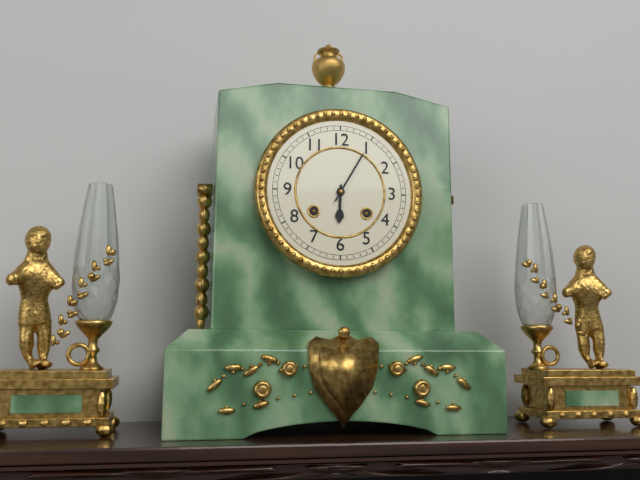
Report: 6:05
